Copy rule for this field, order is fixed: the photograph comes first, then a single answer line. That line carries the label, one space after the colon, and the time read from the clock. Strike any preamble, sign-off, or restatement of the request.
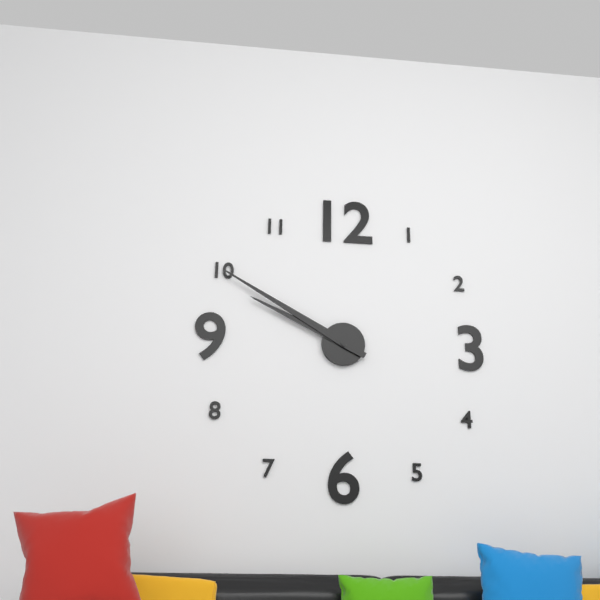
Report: 9:50
